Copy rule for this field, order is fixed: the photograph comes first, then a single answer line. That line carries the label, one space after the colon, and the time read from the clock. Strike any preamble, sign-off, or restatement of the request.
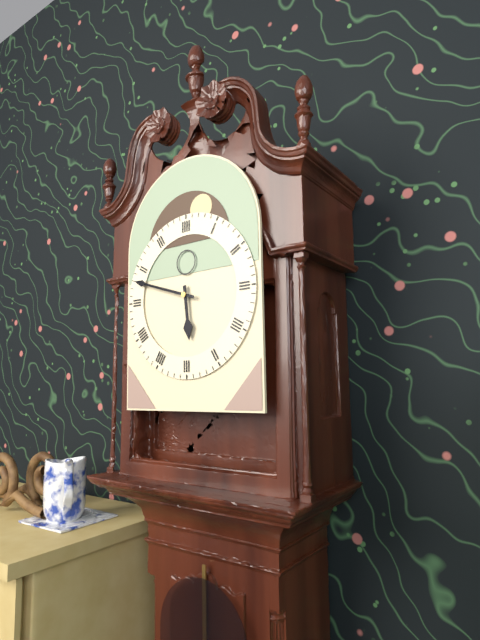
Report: 5:48
